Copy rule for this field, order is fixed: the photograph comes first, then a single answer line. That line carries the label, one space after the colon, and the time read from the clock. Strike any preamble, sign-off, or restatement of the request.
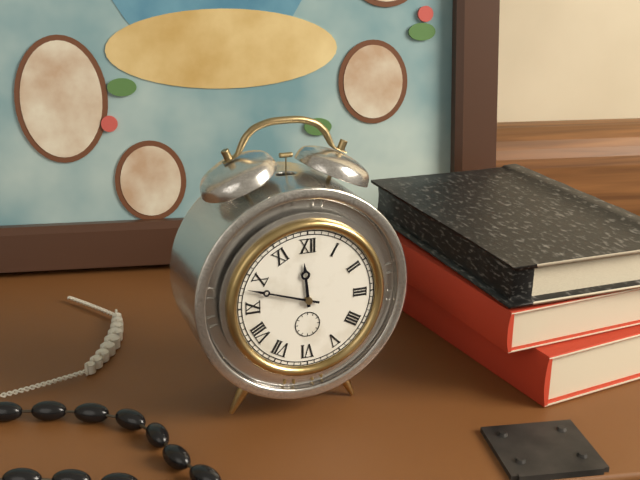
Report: 11:48
